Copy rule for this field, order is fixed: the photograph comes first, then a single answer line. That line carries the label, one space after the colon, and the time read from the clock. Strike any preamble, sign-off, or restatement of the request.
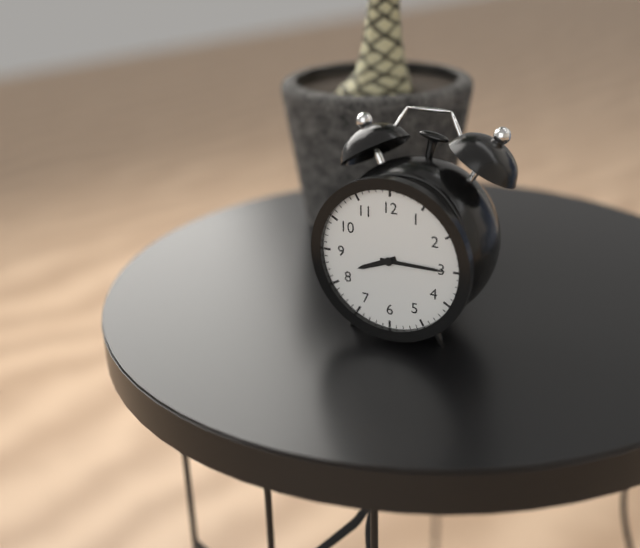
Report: 8:15
